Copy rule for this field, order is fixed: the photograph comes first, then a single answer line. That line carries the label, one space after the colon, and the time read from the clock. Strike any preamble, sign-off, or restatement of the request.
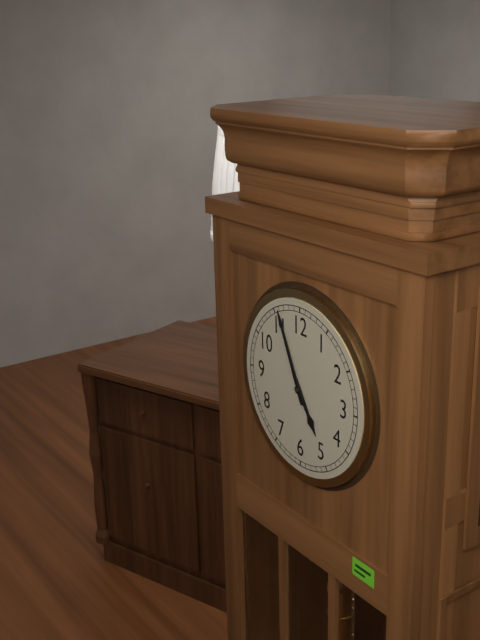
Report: 4:56
